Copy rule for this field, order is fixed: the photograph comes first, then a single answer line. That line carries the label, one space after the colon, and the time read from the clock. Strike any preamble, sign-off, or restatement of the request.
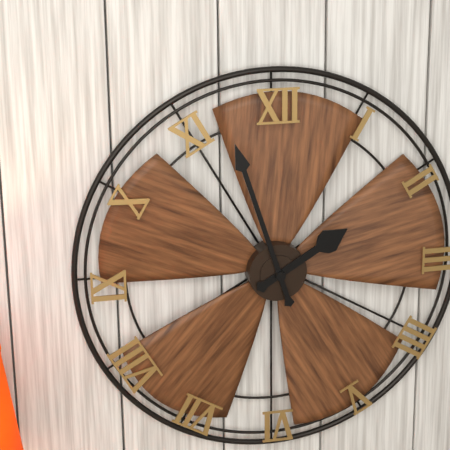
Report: 1:57
